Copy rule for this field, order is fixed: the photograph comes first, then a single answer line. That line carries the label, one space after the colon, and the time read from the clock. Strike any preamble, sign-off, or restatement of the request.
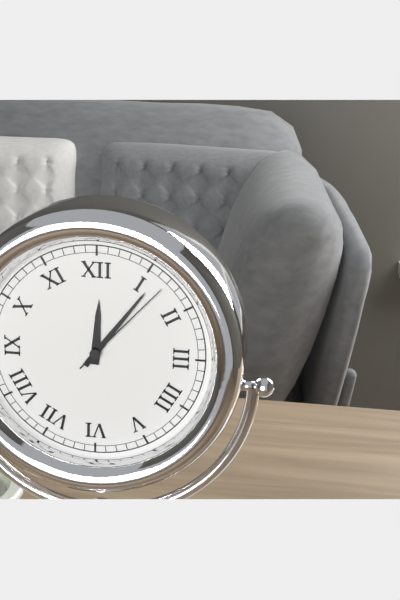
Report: 12:06:07
